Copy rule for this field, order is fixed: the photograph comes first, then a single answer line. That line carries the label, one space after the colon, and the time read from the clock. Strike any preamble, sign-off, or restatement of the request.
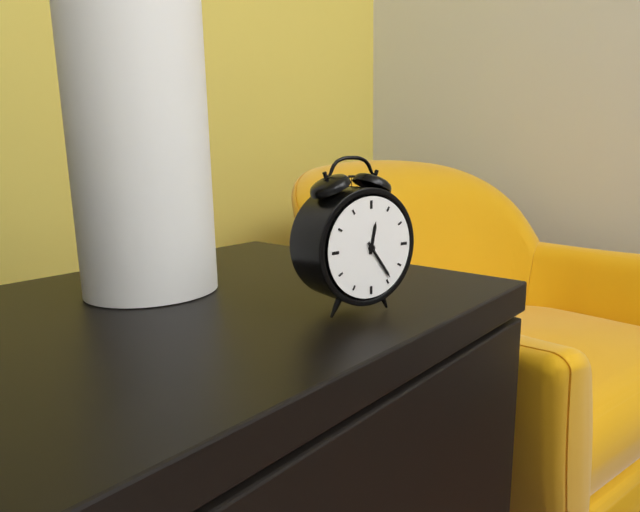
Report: 12:24
